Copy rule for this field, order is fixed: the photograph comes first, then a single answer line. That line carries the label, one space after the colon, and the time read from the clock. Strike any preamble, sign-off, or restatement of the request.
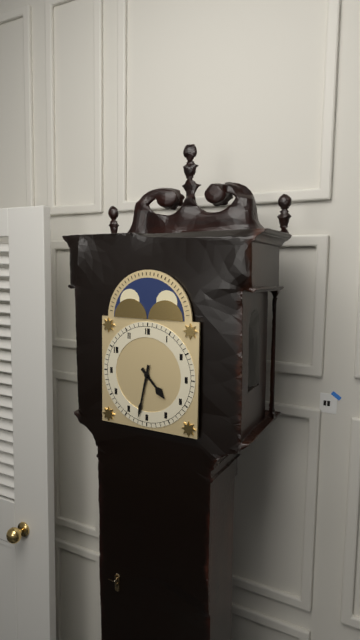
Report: 4:32
